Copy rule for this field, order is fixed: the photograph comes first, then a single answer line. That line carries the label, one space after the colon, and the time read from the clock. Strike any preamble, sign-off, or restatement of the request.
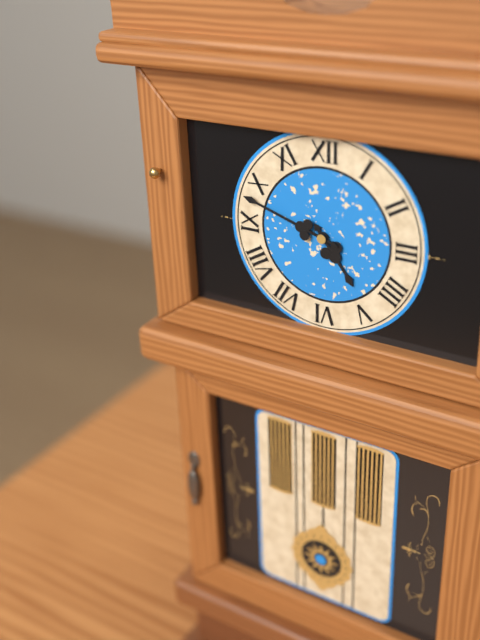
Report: 4:48
